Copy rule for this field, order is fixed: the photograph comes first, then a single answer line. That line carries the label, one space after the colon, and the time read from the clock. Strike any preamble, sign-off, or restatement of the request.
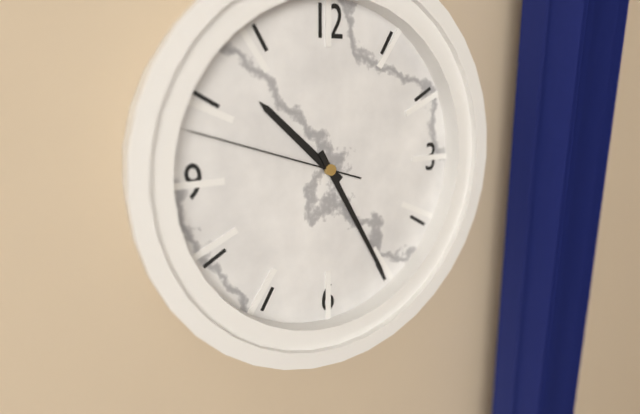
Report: 10:25:48
